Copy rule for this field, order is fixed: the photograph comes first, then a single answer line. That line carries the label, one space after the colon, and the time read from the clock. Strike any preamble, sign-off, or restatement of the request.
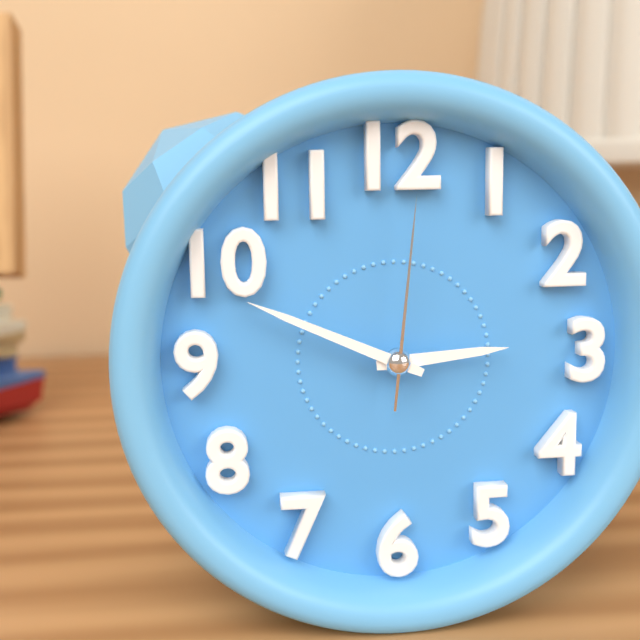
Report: 2:49:01
